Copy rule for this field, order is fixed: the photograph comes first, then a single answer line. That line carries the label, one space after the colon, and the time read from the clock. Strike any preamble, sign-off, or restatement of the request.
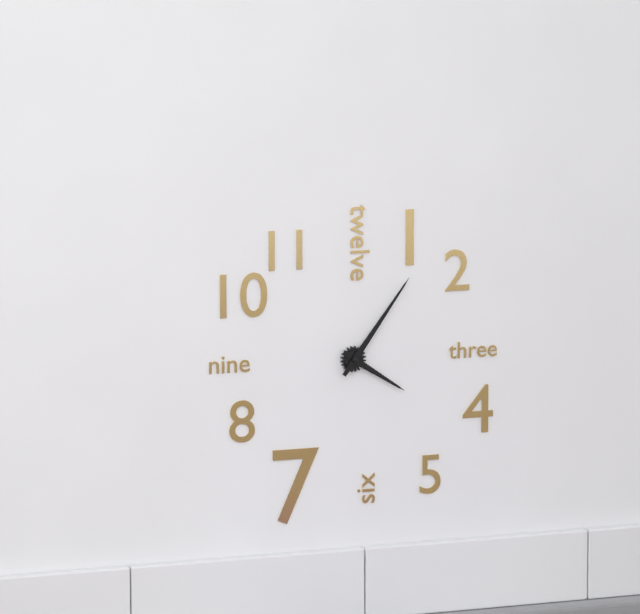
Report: 4:06
